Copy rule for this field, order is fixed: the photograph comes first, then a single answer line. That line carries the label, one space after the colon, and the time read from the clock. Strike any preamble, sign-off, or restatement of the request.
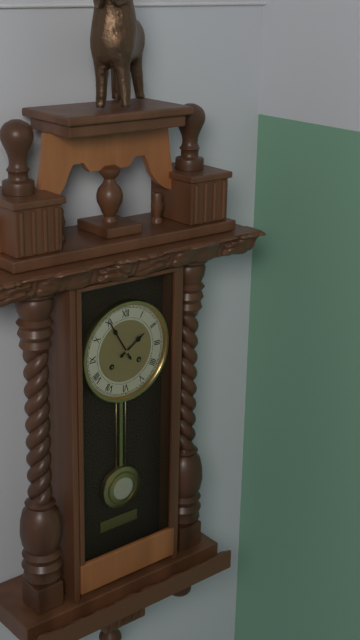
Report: 1:55
